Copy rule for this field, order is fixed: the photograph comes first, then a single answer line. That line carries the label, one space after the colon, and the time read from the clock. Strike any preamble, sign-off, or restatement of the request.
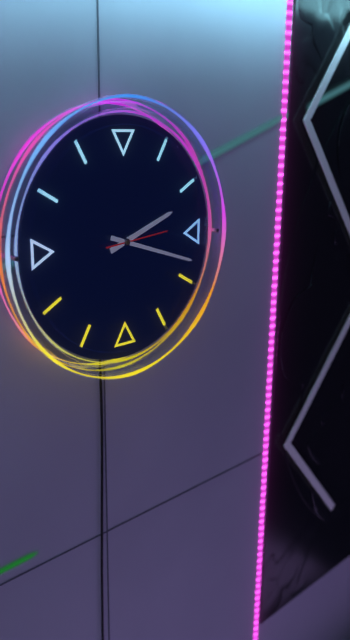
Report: 2:18:14
